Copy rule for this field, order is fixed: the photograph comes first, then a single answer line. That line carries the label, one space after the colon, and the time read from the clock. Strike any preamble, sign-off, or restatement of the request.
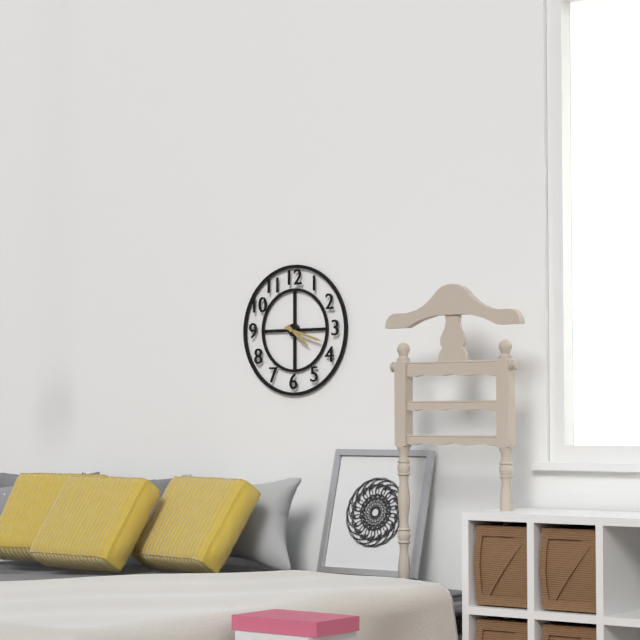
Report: 4:18
